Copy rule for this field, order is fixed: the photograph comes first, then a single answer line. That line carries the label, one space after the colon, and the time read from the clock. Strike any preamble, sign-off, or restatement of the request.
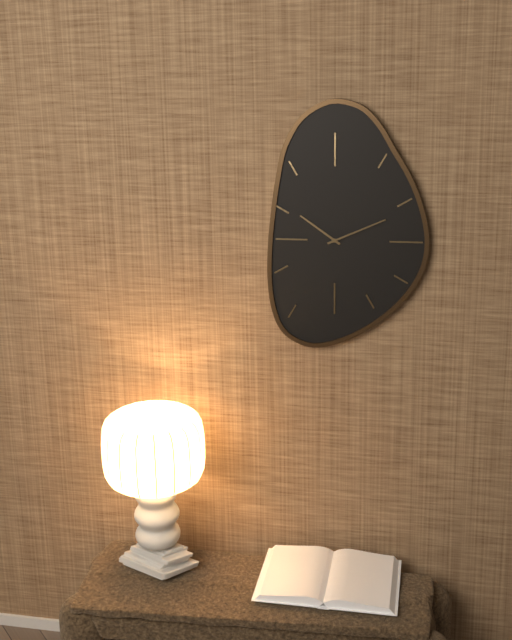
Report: 10:11
